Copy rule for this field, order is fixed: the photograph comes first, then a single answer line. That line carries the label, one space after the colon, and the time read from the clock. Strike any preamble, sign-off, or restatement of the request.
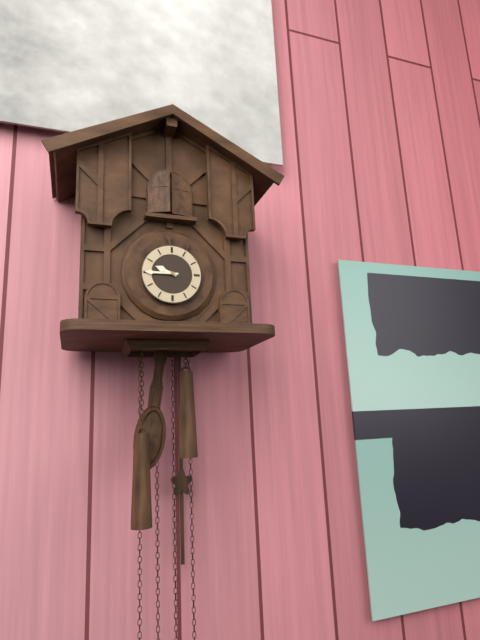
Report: 9:45
